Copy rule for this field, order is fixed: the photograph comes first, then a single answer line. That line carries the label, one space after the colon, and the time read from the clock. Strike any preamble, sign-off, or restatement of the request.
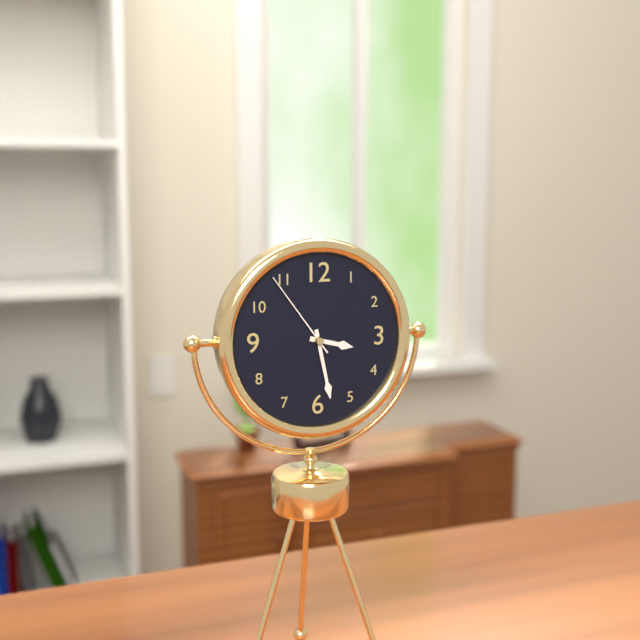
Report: 3:28:54
